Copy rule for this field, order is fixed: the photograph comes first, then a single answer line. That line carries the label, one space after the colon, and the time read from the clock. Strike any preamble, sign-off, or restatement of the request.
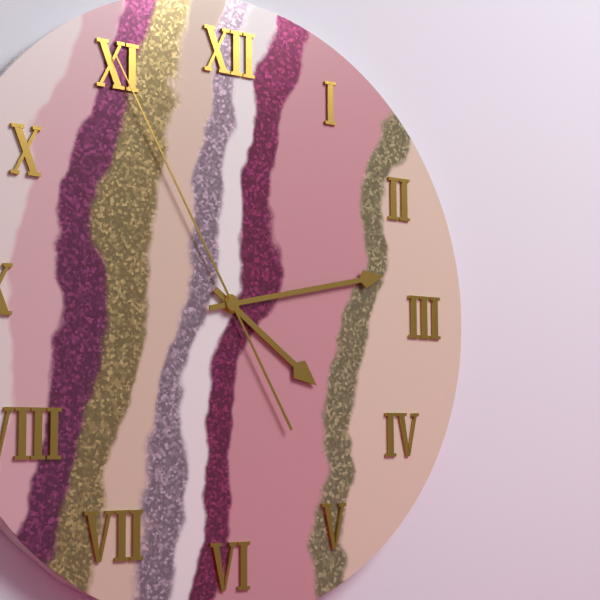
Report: 4:13:55
